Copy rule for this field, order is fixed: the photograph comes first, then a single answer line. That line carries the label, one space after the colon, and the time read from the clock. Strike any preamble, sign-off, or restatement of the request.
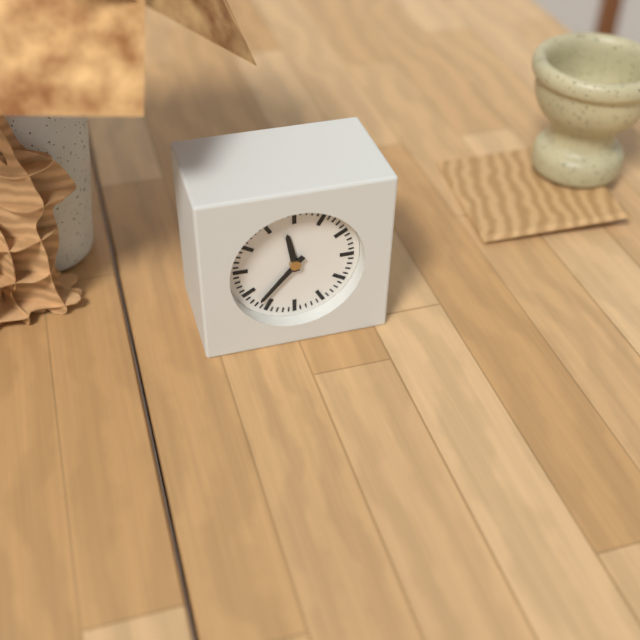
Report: 11:37
